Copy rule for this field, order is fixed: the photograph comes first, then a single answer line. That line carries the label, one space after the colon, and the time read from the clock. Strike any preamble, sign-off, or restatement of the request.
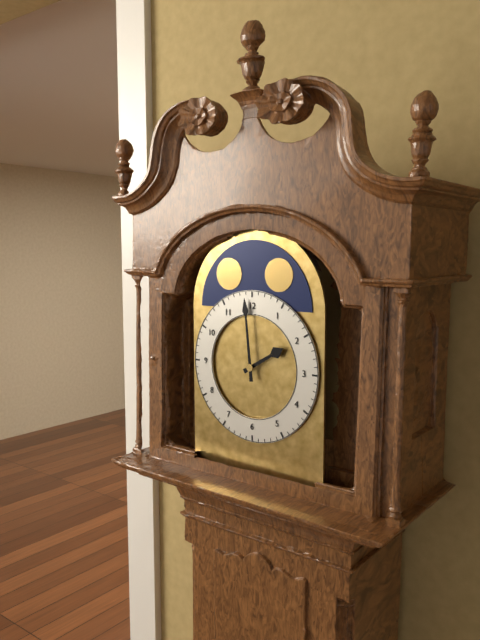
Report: 1:59
